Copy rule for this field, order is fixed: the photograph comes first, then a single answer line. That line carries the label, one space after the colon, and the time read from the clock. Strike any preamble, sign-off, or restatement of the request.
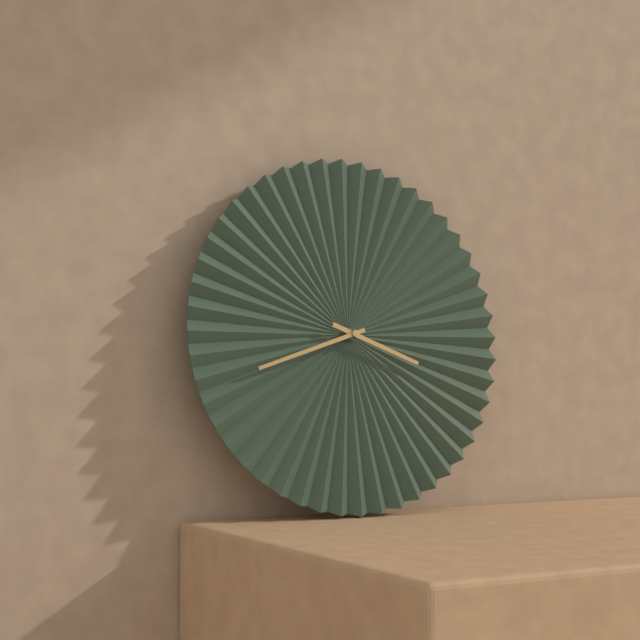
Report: 3:42
